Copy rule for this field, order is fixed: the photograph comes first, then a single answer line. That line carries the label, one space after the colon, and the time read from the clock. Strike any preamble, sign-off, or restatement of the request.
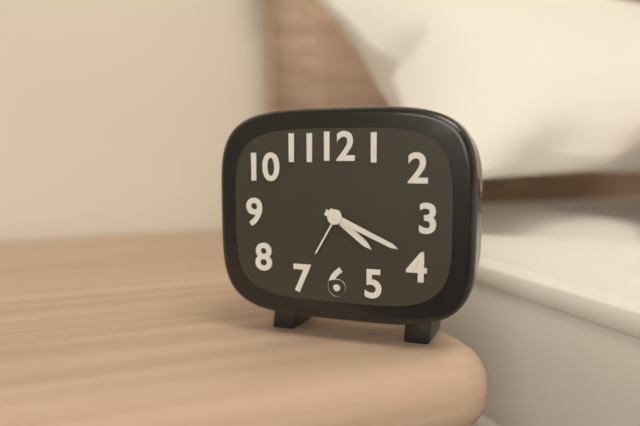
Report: 4:19
